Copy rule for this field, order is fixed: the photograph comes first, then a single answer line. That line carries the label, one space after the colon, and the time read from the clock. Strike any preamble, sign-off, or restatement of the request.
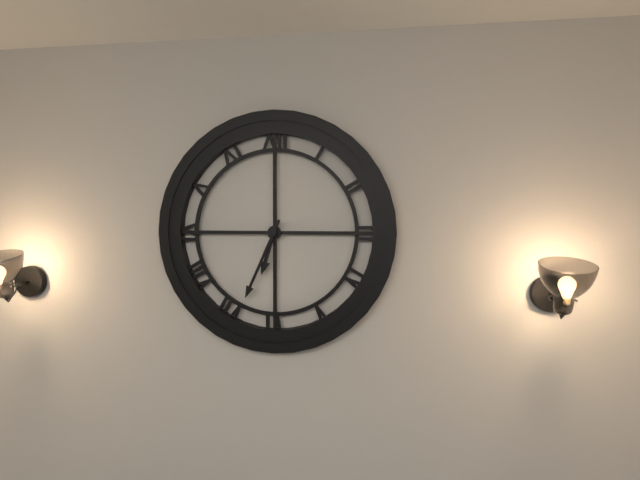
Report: 6:34
